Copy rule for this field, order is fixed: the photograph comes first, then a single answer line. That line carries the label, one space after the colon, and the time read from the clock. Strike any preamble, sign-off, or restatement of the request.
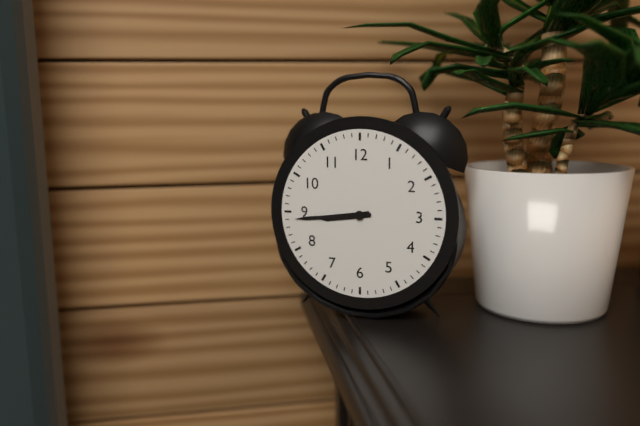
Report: 8:44
